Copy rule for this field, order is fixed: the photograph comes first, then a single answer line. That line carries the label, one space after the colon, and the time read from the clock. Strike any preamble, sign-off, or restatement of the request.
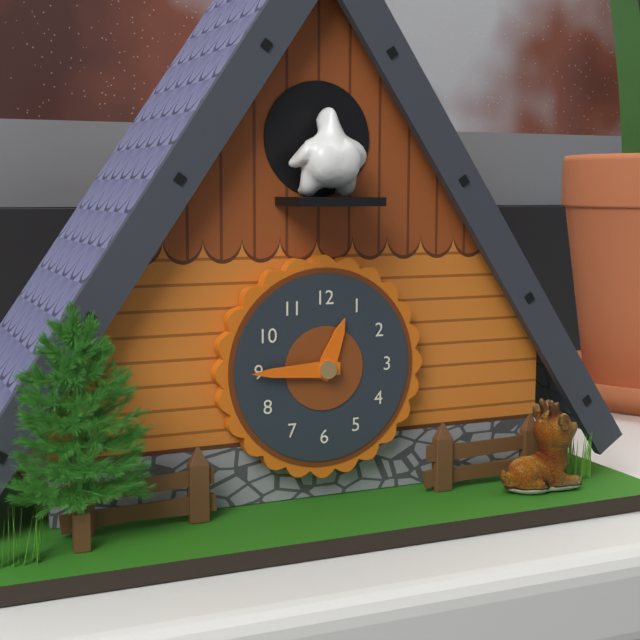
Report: 12:45
